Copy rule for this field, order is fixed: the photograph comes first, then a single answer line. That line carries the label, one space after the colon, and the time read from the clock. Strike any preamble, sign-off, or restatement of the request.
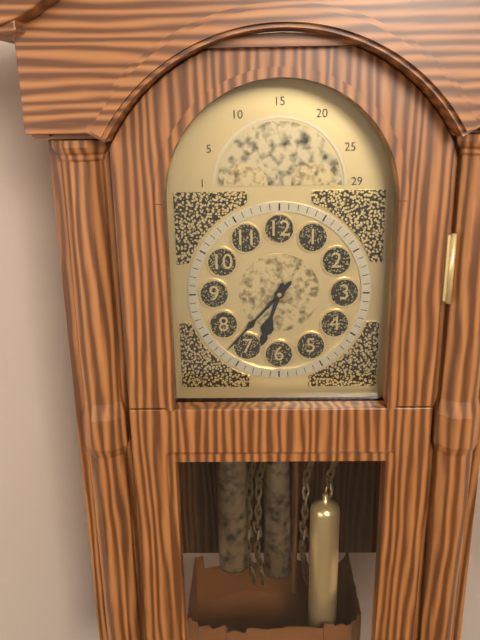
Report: 6:37
